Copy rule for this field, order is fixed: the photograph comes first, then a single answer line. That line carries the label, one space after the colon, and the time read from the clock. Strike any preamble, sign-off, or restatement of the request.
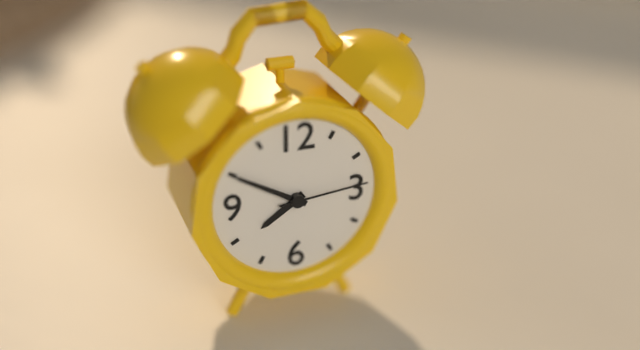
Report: 7:50:14
